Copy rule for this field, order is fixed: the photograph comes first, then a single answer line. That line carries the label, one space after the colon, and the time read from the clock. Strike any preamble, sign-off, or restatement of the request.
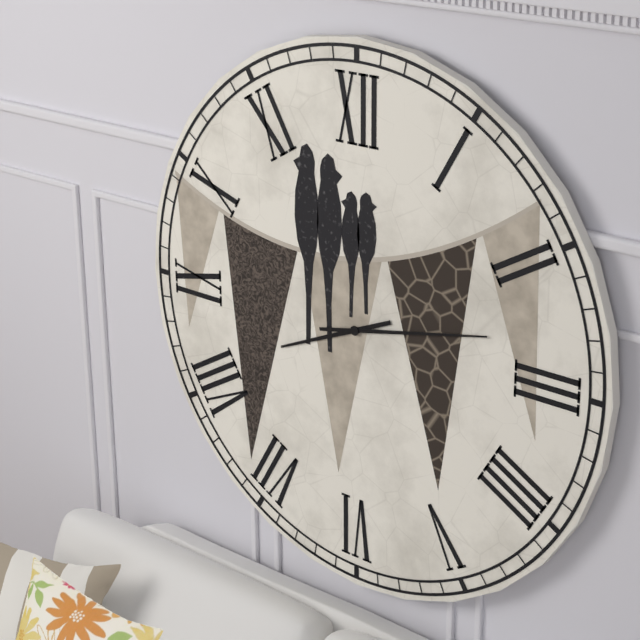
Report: 8:13
